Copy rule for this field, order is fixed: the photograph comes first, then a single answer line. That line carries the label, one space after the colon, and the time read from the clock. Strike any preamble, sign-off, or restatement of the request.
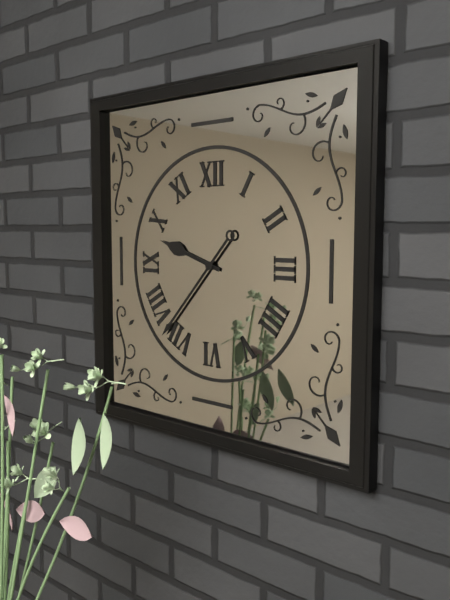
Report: 9:37
